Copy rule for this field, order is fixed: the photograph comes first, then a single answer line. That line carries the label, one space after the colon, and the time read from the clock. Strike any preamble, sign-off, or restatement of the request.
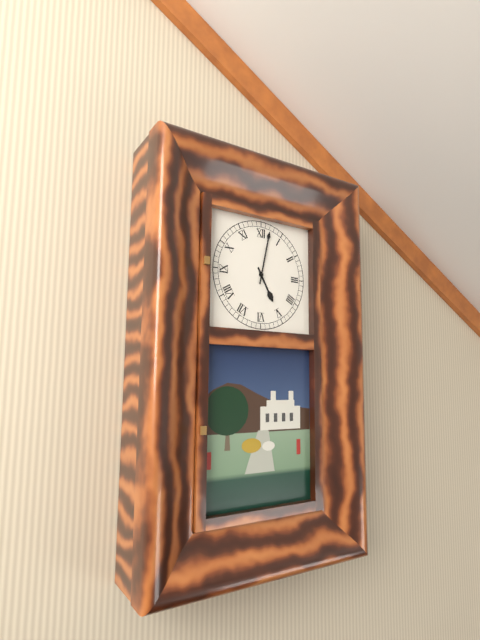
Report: 5:02
